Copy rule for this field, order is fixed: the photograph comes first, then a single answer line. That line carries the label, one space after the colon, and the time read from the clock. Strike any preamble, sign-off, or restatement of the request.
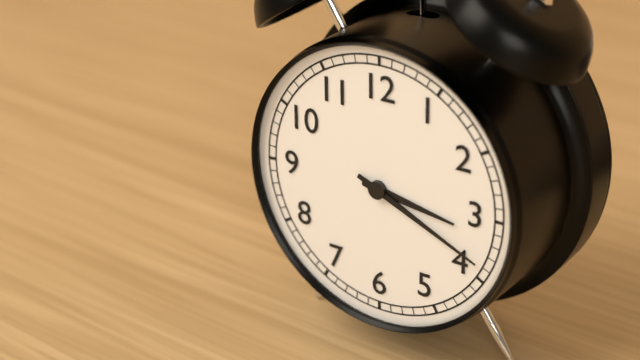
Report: 3:19
